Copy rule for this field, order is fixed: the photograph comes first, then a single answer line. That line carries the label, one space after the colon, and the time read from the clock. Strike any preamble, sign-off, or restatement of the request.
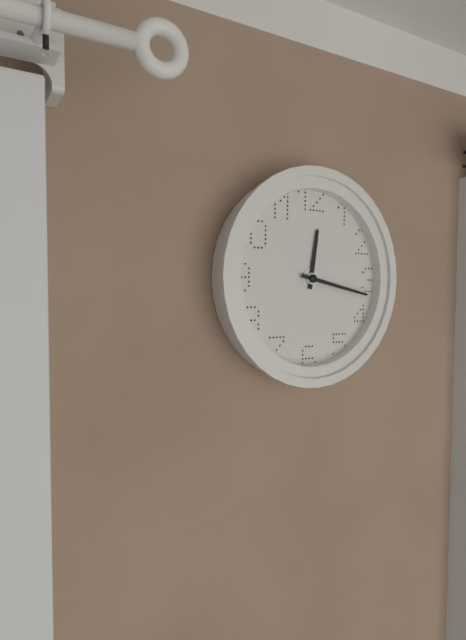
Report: 12:17
